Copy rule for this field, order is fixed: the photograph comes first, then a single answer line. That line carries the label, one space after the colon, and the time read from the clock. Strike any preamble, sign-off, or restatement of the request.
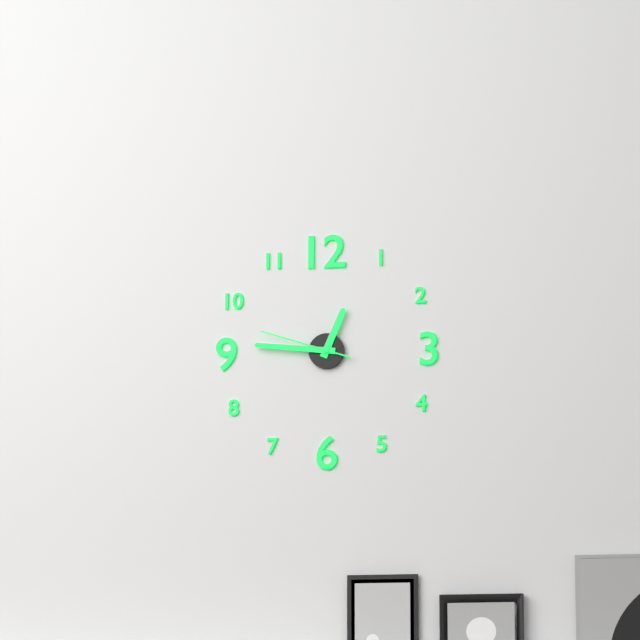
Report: 12:46:48
